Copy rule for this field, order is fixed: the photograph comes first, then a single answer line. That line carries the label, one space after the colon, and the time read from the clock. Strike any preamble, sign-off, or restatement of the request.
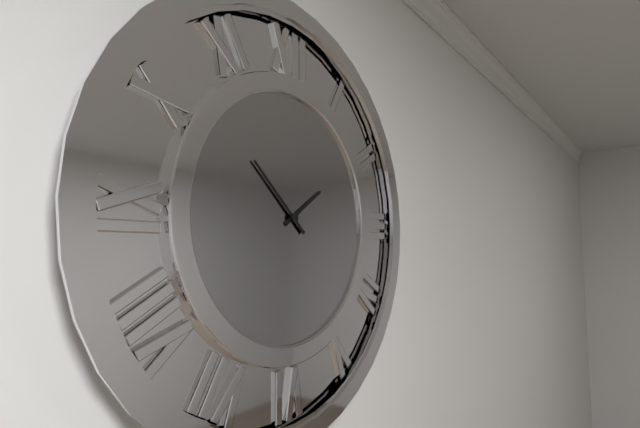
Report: 1:52
